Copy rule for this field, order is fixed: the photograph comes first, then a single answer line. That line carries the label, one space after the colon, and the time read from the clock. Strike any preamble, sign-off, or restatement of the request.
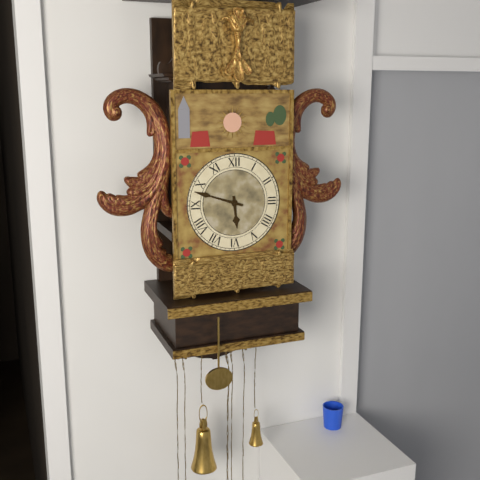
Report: 5:48
